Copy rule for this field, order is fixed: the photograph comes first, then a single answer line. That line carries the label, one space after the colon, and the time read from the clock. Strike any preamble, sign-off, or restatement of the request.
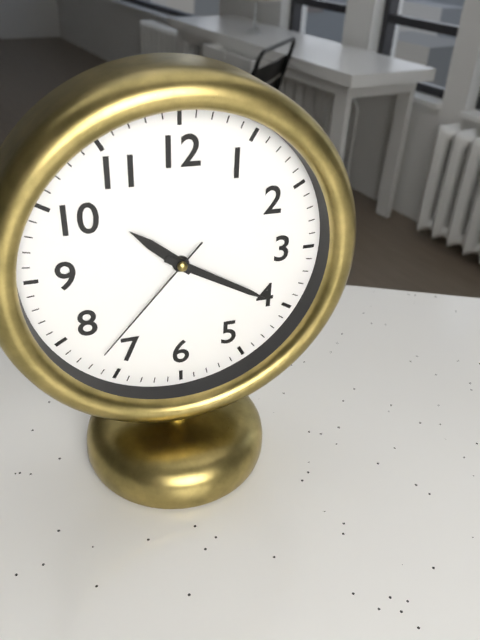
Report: 10:20:37
